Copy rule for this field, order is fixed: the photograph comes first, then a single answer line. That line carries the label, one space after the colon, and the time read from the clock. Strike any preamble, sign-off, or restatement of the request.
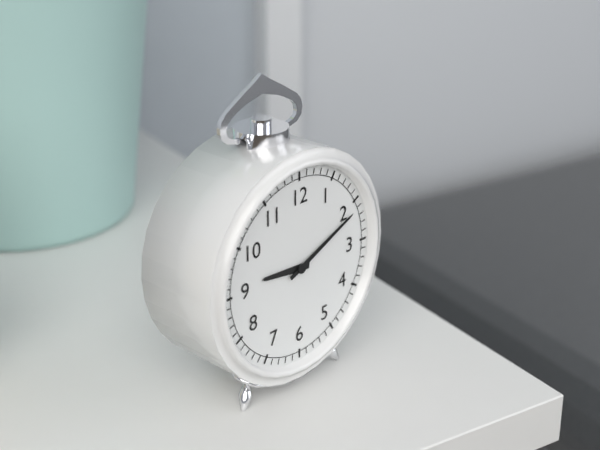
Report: 9:11
